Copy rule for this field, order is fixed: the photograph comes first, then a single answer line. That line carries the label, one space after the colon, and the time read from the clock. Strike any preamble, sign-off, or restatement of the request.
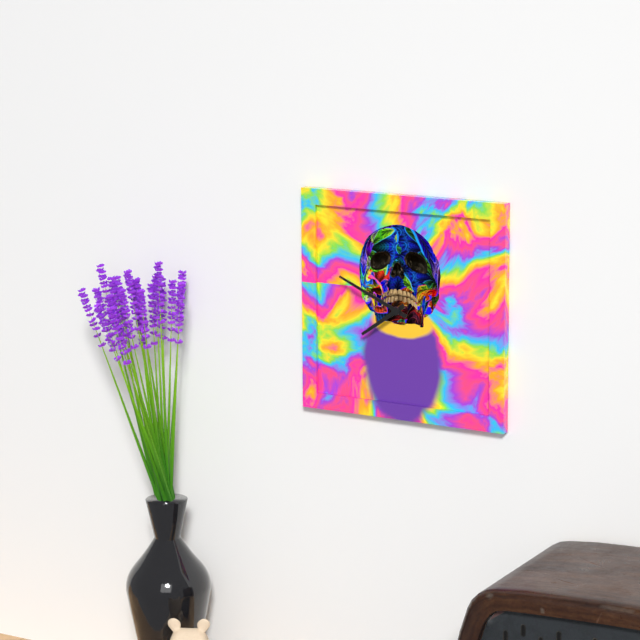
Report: 7:49
